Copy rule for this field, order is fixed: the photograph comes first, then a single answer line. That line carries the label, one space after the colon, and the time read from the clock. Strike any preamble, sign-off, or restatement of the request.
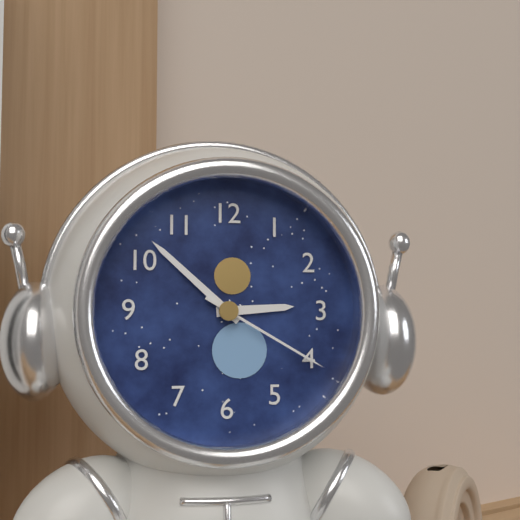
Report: 2:52:20
